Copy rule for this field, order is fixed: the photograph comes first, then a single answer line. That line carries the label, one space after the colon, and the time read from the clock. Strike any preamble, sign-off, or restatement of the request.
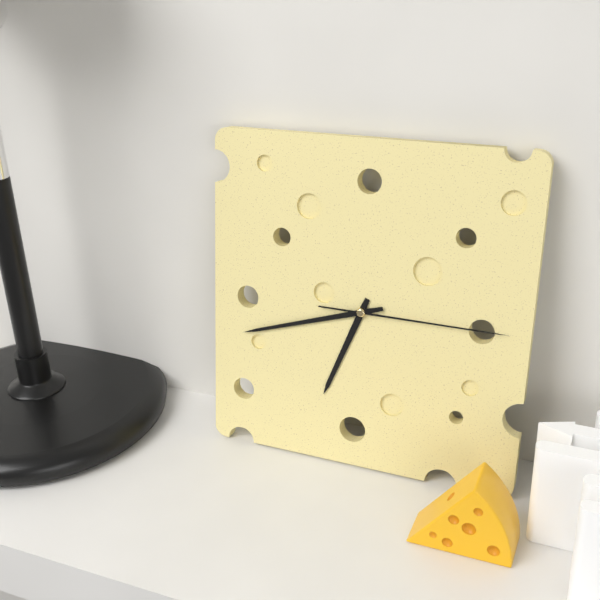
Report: 6:42:15
